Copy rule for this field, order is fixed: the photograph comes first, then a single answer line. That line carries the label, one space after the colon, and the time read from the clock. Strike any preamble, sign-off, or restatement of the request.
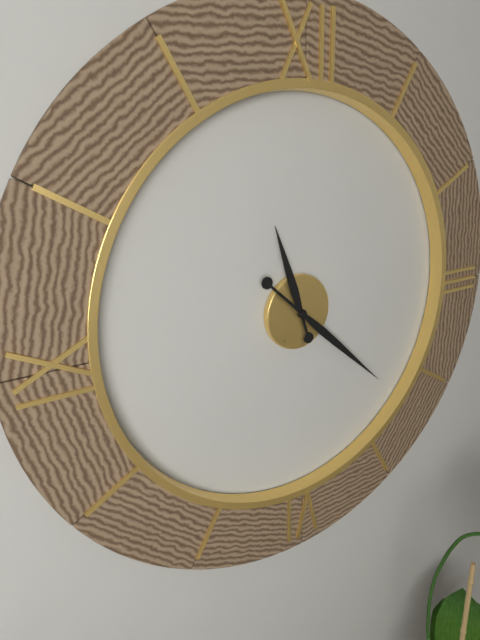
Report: 11:22
